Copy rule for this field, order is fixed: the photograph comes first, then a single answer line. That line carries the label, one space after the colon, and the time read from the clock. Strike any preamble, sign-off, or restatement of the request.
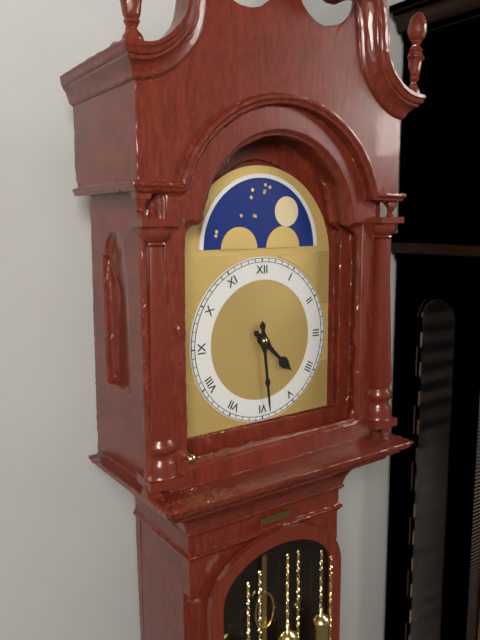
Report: 4:29
